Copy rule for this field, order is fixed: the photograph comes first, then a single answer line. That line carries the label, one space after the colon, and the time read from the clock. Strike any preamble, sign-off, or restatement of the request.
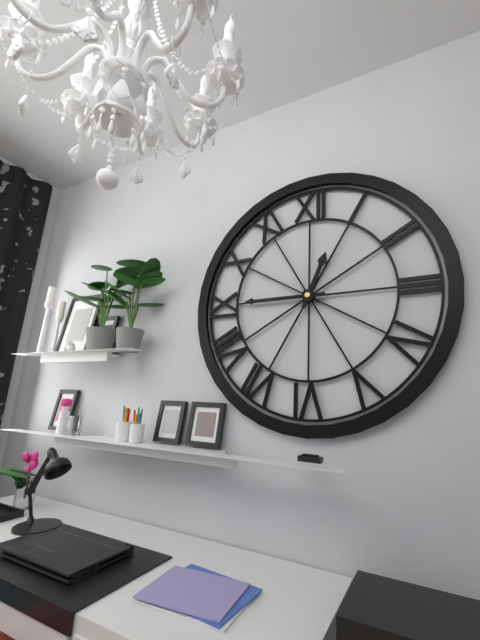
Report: 12:45
